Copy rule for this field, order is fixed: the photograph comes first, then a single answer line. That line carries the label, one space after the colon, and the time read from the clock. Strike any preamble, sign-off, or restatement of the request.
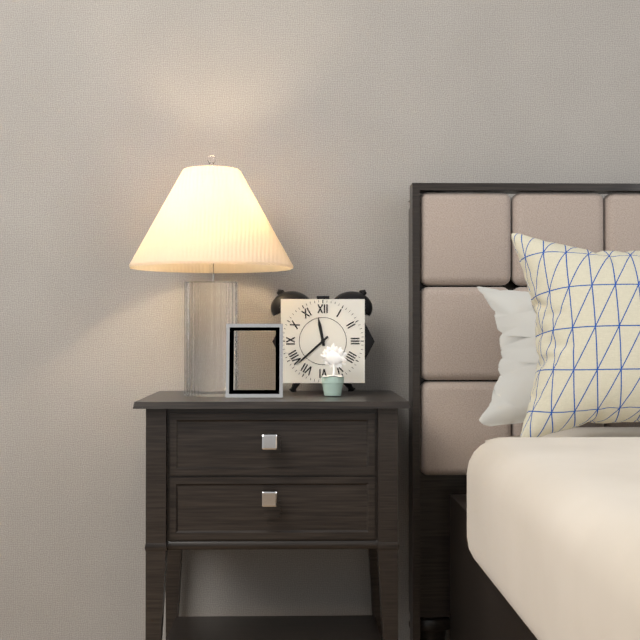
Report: 11:38
